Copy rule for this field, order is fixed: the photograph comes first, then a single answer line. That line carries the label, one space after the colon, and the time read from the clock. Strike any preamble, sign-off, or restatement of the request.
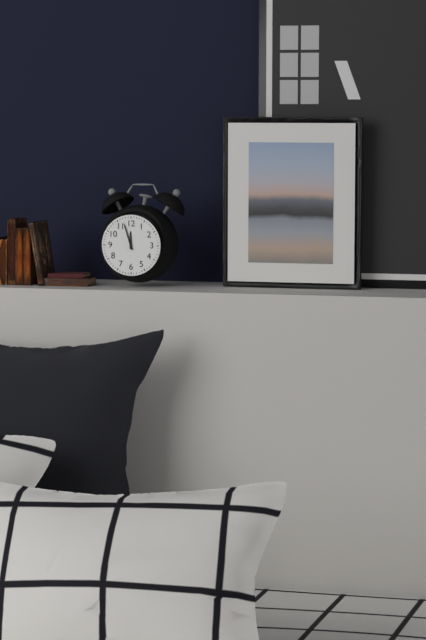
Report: 11:57
